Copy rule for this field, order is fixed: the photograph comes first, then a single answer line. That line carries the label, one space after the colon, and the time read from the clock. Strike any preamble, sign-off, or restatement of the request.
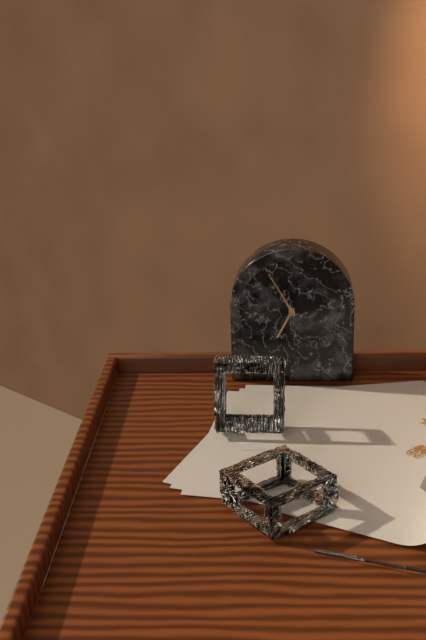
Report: 6:55
